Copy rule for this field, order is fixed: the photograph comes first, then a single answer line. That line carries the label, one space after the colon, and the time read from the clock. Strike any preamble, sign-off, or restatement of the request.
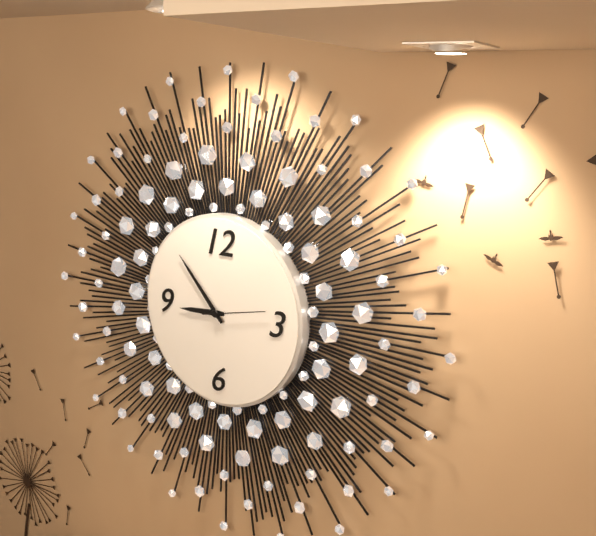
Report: 8:53:13
